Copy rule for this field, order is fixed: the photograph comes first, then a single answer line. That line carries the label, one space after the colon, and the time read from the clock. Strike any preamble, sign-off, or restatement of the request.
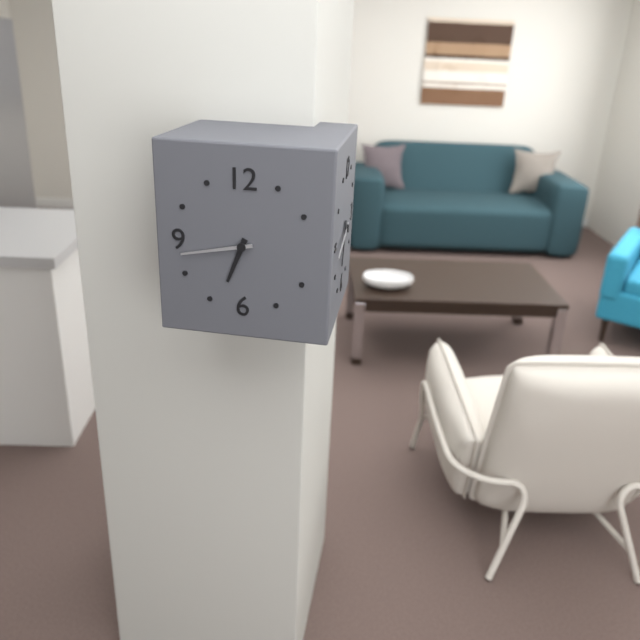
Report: 6:43
